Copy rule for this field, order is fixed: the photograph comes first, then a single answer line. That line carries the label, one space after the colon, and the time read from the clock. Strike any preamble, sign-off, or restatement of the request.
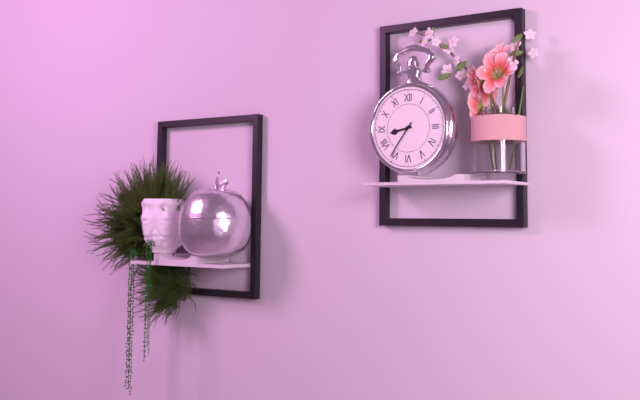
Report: 8:36
